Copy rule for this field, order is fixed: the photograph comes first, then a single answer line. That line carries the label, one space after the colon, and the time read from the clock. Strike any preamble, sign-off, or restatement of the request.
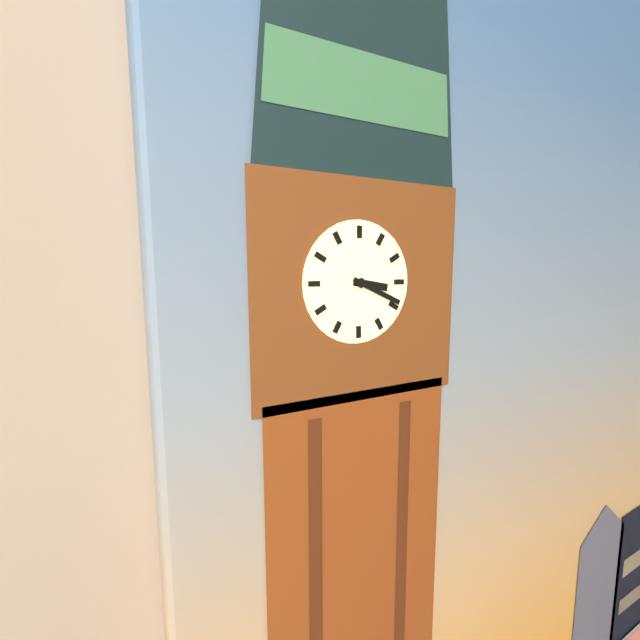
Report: 3:19
